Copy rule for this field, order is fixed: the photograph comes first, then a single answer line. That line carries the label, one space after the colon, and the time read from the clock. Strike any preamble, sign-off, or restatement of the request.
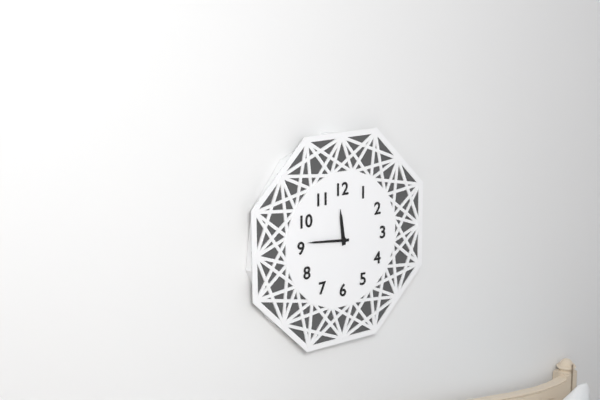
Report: 11:46
